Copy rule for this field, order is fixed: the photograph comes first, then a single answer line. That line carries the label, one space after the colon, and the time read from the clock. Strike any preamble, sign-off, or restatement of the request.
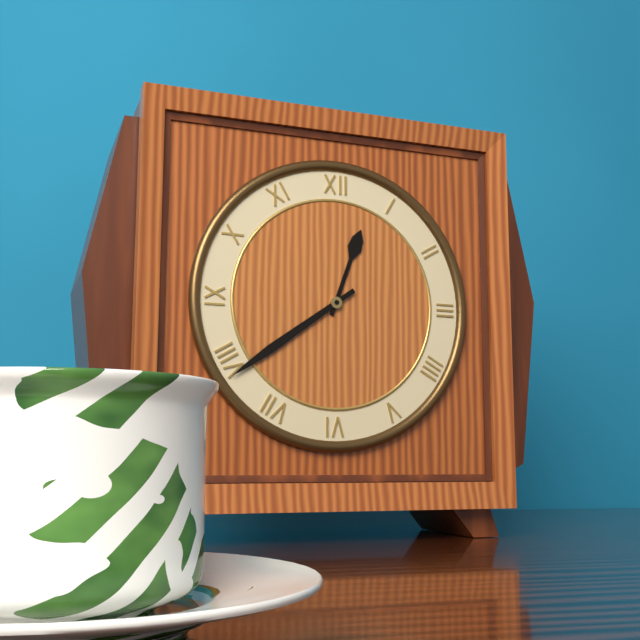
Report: 12:39
